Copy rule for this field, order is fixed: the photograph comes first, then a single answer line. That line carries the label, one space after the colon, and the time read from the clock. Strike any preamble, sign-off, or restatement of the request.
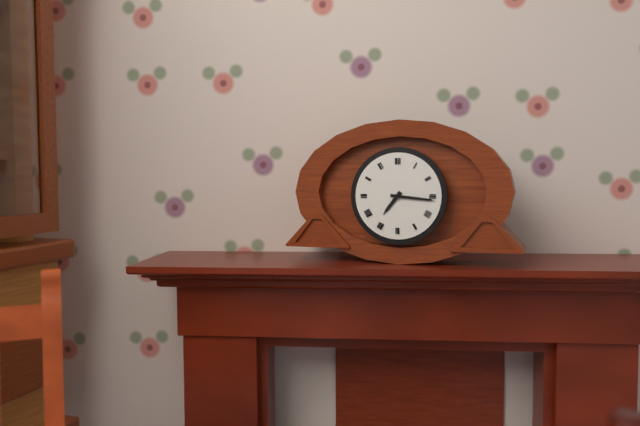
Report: 7:16
